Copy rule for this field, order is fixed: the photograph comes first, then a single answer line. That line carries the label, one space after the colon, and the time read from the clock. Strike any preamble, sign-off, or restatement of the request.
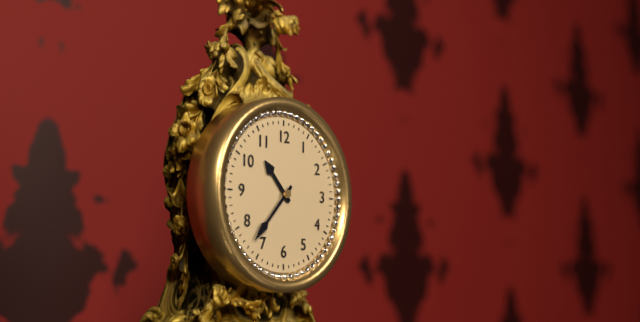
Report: 10:37
